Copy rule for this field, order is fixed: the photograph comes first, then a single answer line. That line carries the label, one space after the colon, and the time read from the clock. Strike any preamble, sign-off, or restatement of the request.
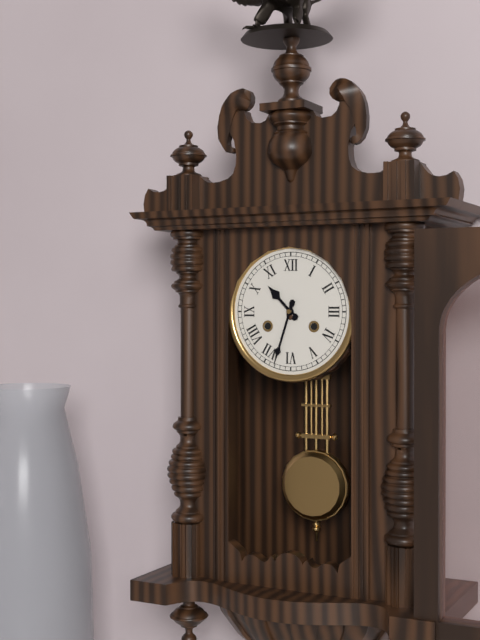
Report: 10:33
